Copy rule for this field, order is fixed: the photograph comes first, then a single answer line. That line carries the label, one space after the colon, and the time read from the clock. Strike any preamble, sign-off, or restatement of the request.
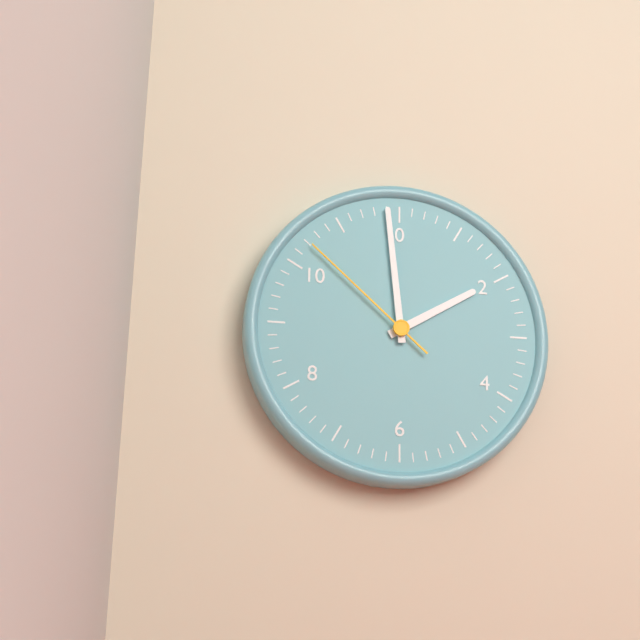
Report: 1:59:52
